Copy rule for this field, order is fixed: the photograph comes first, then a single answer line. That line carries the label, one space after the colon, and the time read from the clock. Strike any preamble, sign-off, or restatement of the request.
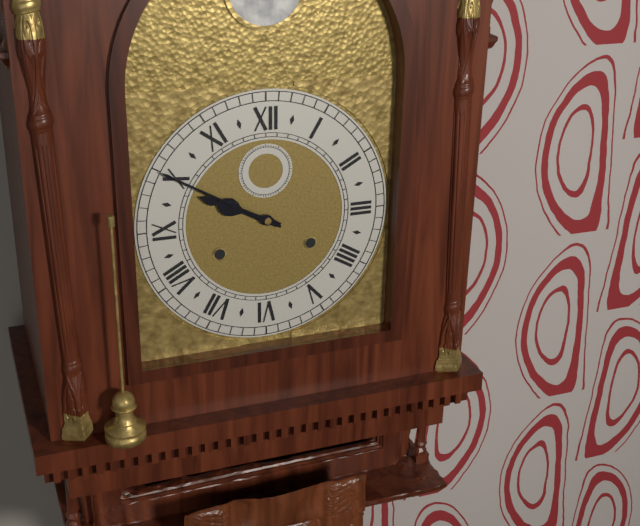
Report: 9:50
